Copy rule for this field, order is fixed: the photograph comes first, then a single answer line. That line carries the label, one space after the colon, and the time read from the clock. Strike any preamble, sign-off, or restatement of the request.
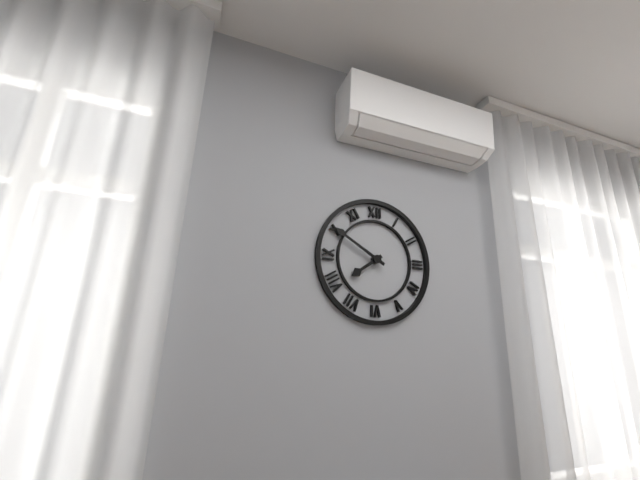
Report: 7:50
